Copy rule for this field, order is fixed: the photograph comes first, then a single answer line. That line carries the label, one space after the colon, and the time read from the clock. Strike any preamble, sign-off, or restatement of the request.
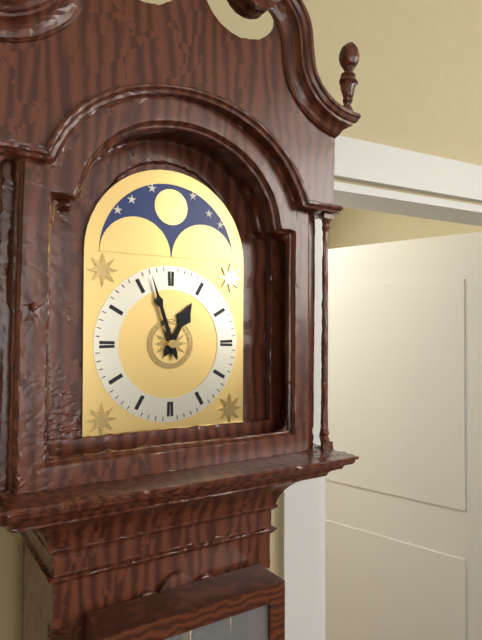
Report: 12:57
